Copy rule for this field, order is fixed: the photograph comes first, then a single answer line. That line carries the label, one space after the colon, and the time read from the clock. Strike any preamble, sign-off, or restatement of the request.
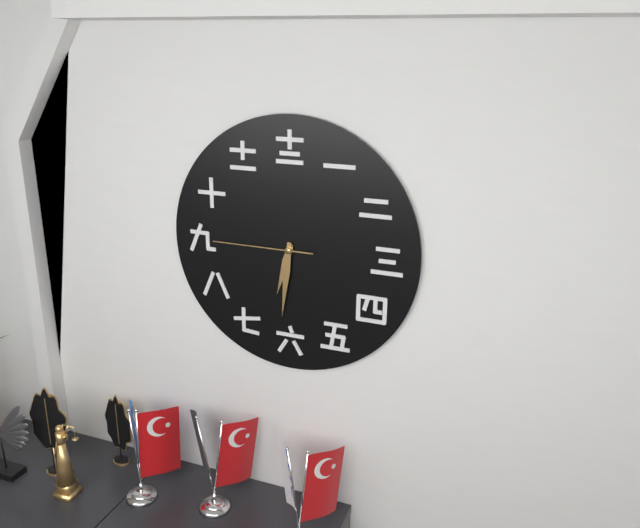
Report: 6:31:45
